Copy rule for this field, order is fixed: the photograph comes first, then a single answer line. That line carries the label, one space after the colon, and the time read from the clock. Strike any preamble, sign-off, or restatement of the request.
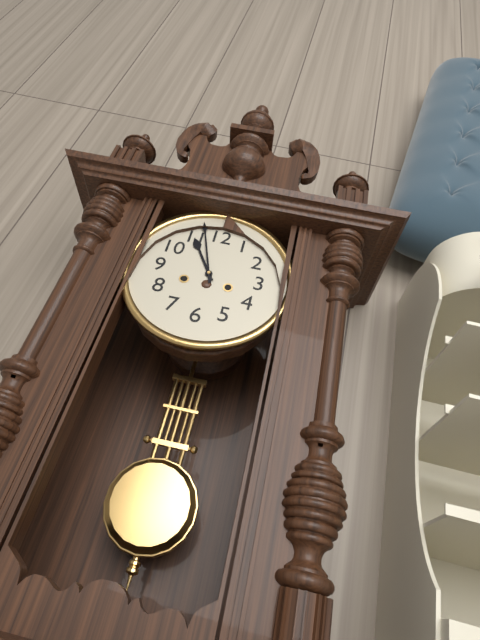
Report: 10:57
